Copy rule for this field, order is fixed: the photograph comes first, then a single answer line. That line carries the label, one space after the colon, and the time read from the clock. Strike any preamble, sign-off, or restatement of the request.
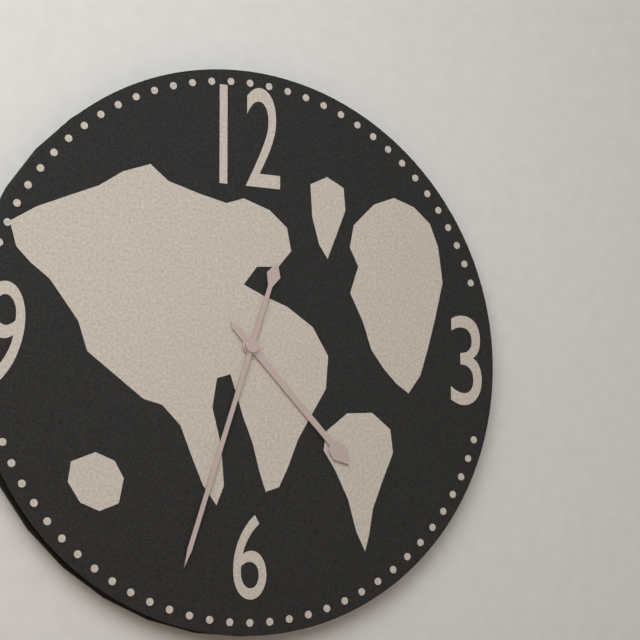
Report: 4:33
